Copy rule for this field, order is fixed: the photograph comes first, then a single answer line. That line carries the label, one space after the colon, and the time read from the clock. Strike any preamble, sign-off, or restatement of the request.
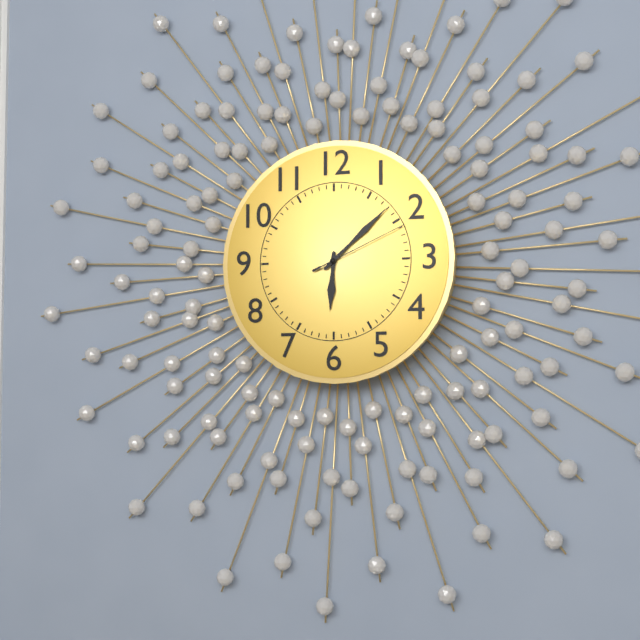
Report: 6:08:11
